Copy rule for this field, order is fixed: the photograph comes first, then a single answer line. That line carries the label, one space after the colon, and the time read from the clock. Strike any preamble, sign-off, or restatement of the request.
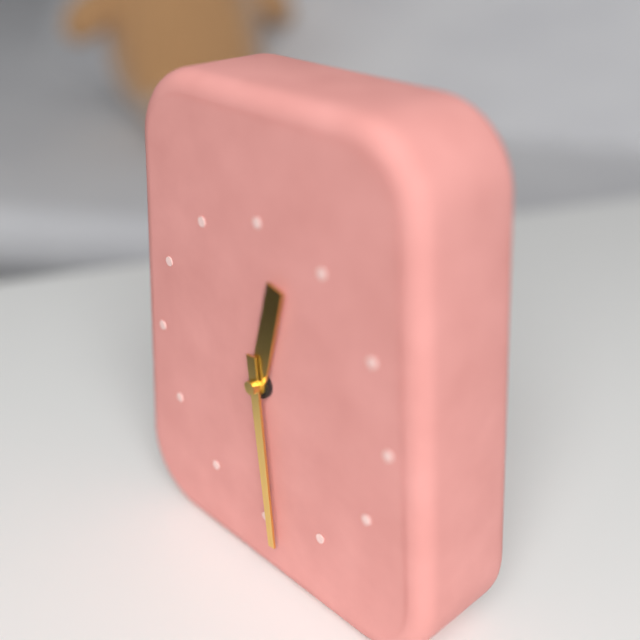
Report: 12:29
